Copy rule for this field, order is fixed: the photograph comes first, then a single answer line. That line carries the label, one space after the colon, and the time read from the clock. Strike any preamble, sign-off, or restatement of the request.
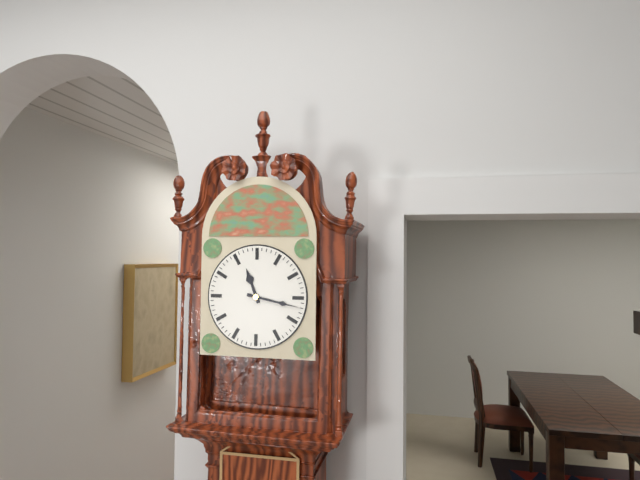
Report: 11:17
